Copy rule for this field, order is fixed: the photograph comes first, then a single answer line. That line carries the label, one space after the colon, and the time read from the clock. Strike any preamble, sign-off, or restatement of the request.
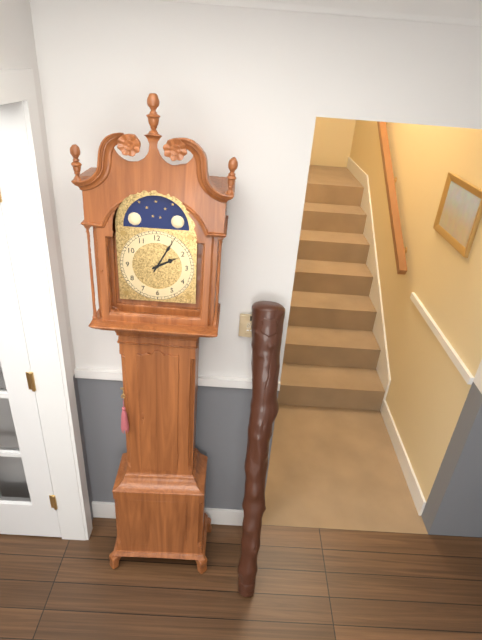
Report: 2:05
